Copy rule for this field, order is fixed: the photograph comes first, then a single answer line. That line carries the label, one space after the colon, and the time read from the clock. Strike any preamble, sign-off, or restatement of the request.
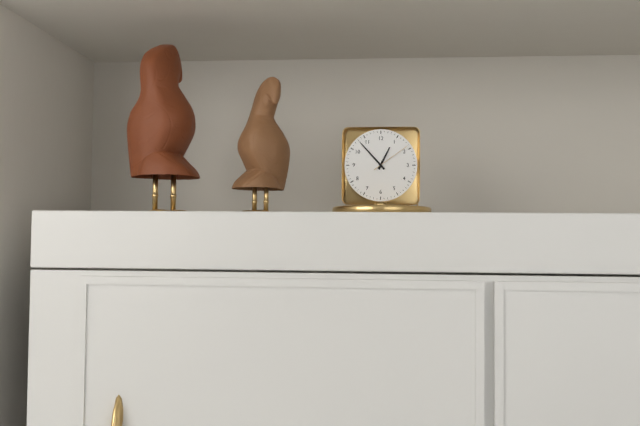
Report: 12:53
